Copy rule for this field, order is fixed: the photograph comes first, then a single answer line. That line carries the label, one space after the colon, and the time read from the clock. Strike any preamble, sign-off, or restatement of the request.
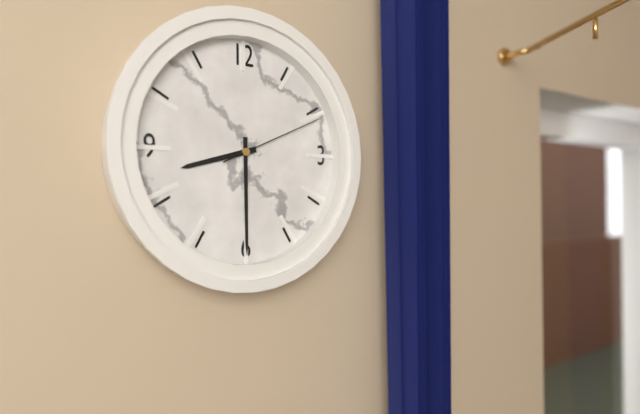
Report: 8:30:11
